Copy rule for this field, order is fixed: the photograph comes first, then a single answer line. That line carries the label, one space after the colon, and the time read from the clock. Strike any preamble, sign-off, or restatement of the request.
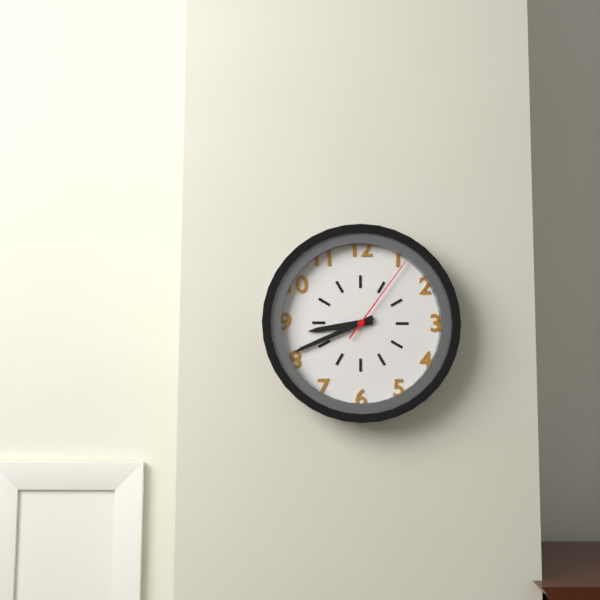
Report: 8:41:06
